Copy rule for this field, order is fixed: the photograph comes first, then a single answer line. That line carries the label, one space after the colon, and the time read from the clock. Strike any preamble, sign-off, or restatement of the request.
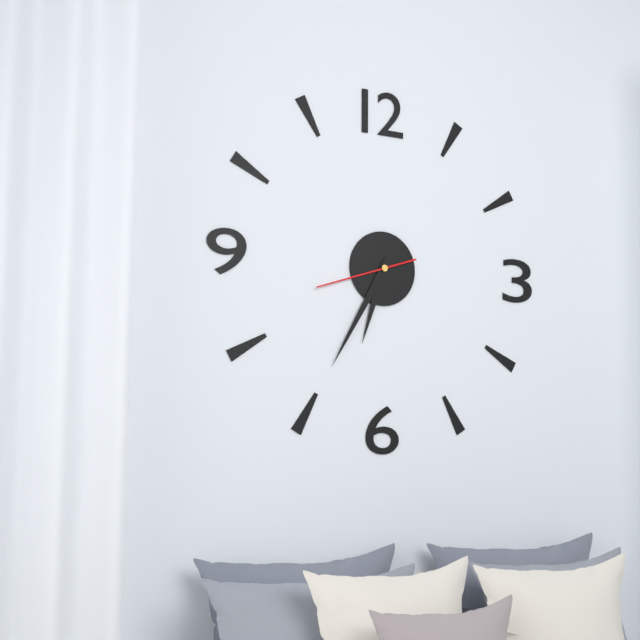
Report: 6:35:42
